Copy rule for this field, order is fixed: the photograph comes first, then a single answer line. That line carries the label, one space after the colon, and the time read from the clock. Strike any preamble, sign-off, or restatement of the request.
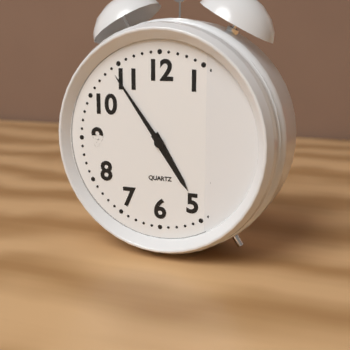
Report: 4:54
